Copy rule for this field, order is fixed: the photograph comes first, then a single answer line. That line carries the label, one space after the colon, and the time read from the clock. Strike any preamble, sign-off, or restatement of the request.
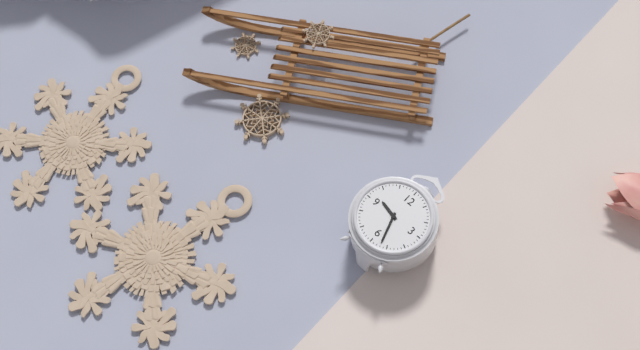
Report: 9:27
